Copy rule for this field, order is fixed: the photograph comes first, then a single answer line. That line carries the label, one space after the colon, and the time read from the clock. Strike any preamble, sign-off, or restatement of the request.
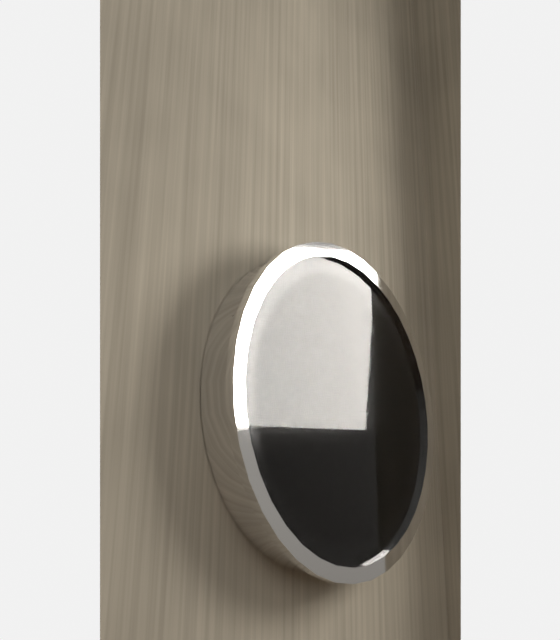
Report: 2:39
